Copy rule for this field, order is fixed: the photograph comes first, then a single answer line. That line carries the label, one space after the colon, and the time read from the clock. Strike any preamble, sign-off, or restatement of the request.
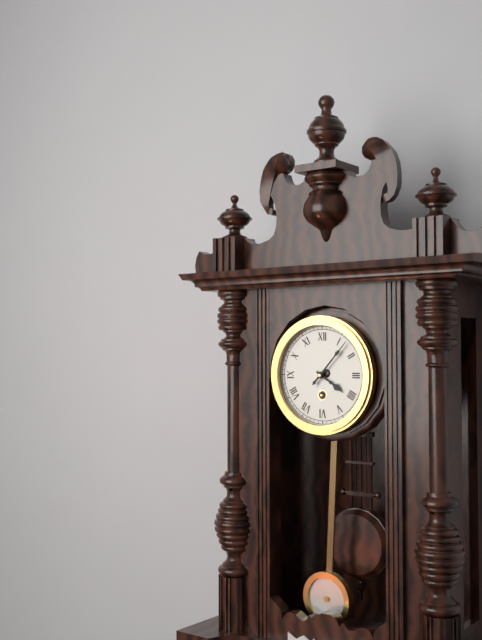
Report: 4:07
